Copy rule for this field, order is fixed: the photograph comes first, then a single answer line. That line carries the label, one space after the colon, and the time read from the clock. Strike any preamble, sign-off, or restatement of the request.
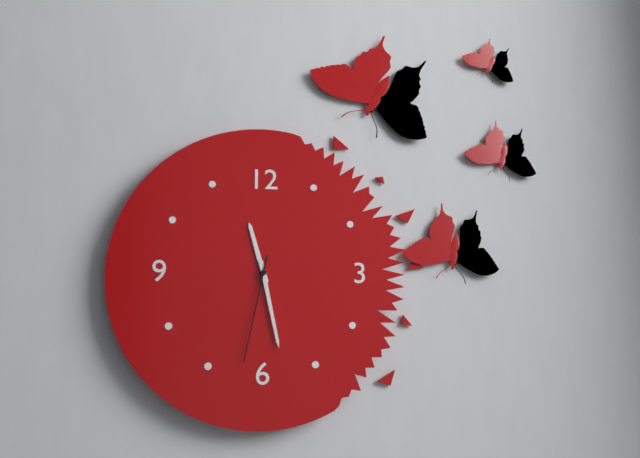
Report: 11:28:32
